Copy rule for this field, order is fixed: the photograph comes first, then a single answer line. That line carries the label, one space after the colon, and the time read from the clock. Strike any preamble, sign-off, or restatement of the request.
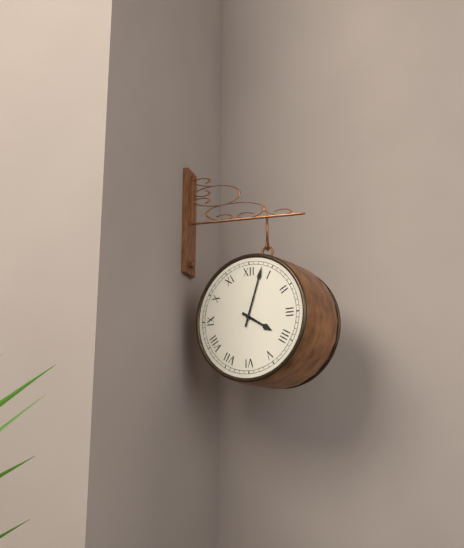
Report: 4:03
